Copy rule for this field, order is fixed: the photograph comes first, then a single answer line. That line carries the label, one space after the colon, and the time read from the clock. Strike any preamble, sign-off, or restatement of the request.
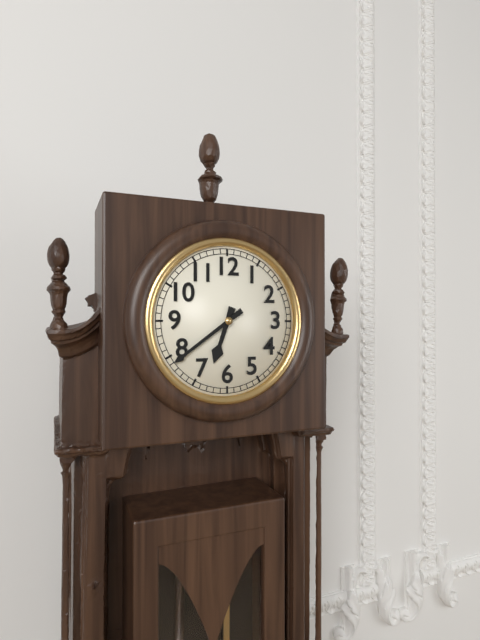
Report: 6:39
